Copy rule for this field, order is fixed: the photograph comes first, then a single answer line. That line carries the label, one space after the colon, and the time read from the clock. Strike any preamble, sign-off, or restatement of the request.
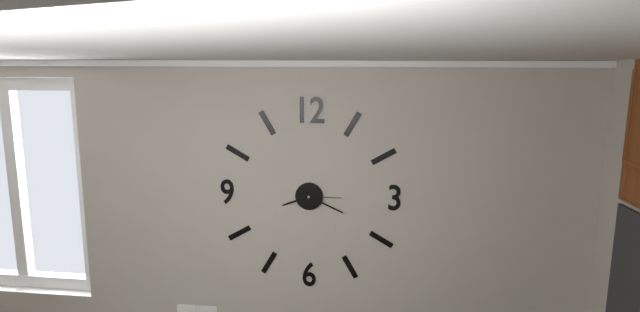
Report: 8:19
